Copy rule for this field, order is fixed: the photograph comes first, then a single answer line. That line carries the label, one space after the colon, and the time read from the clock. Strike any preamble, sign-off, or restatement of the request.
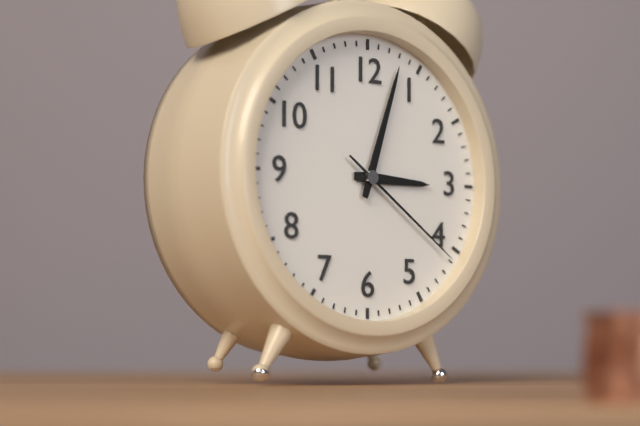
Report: 3:03:21
